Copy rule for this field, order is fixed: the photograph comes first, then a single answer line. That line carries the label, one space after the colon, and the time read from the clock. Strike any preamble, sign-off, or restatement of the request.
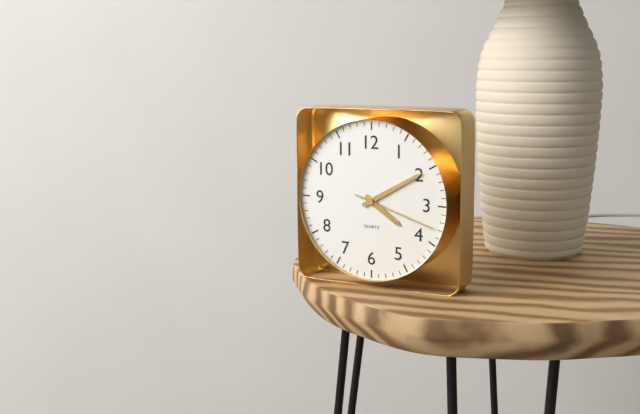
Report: 4:10:18
